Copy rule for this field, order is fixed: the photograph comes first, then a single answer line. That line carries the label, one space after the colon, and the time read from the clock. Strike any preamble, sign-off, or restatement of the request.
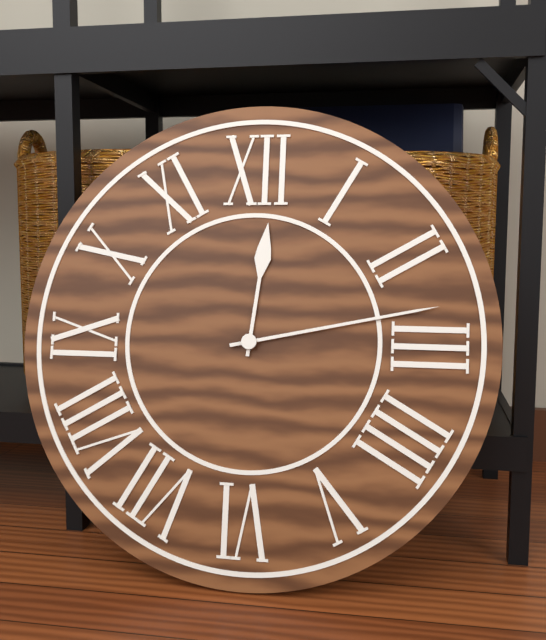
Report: 12:13
